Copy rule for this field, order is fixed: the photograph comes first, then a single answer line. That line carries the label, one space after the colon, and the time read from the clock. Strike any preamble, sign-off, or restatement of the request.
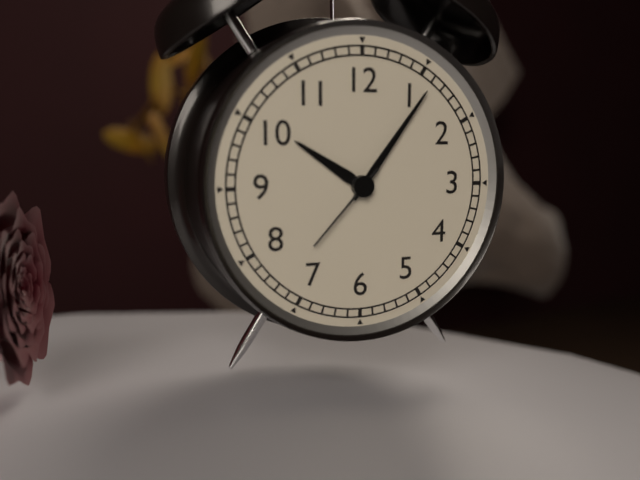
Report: 10:06:37
